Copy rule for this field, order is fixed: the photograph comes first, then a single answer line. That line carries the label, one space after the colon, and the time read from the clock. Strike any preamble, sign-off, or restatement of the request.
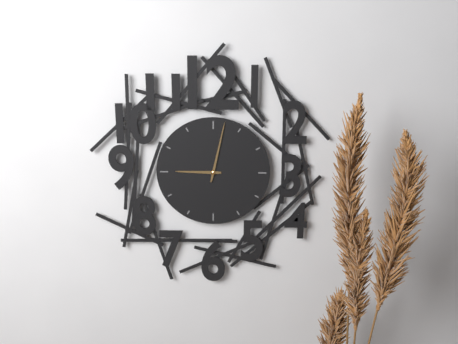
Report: 9:02
